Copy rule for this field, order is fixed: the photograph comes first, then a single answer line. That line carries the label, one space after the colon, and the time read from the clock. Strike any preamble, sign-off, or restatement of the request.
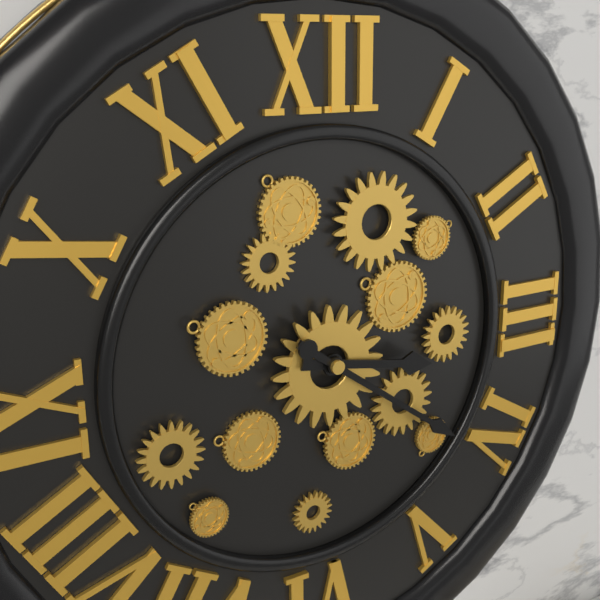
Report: 3:21
